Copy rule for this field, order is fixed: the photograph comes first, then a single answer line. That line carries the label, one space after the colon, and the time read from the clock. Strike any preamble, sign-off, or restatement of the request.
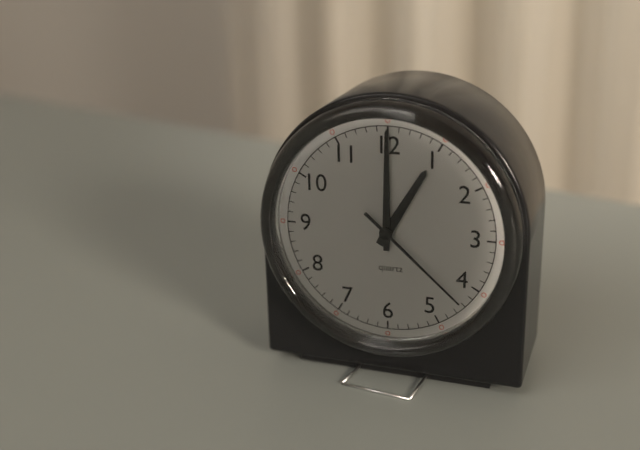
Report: 1:00:22
